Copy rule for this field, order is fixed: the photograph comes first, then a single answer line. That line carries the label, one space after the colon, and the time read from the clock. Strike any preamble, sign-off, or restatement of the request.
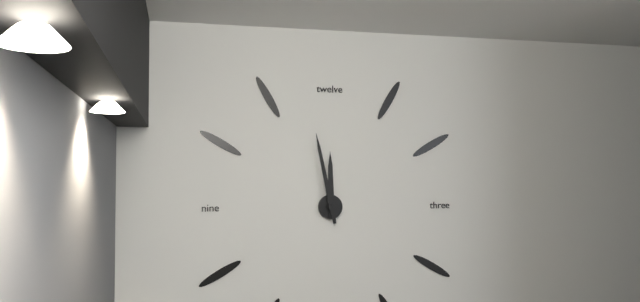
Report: 11:58
